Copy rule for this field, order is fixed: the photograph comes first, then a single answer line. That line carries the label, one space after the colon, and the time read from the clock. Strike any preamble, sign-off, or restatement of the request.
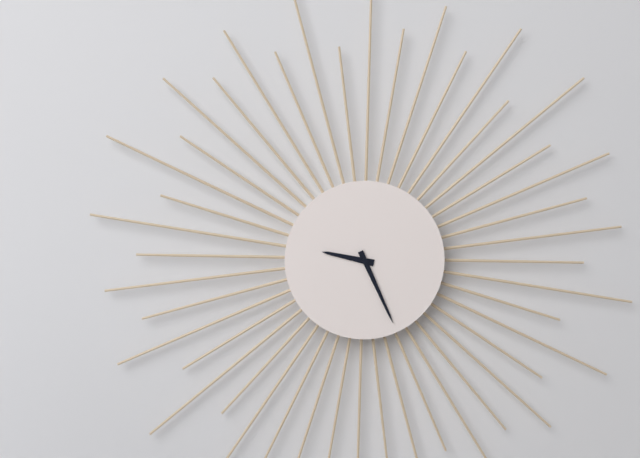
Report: 9:26
